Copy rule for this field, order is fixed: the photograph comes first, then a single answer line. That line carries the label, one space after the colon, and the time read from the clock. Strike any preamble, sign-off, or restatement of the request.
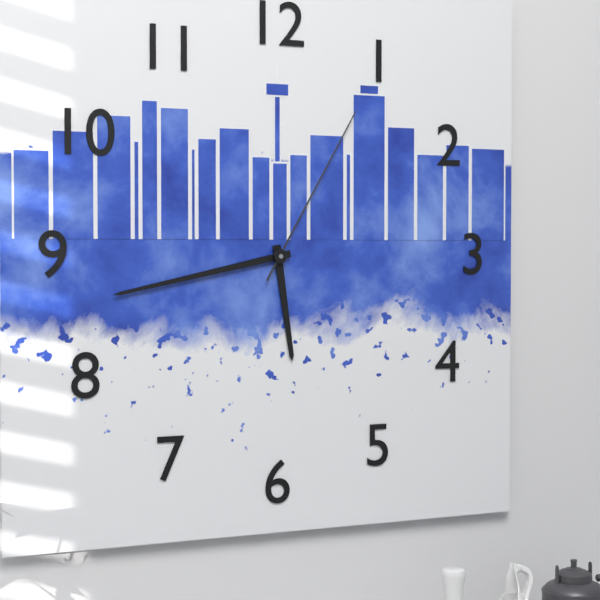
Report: 5:43:05
